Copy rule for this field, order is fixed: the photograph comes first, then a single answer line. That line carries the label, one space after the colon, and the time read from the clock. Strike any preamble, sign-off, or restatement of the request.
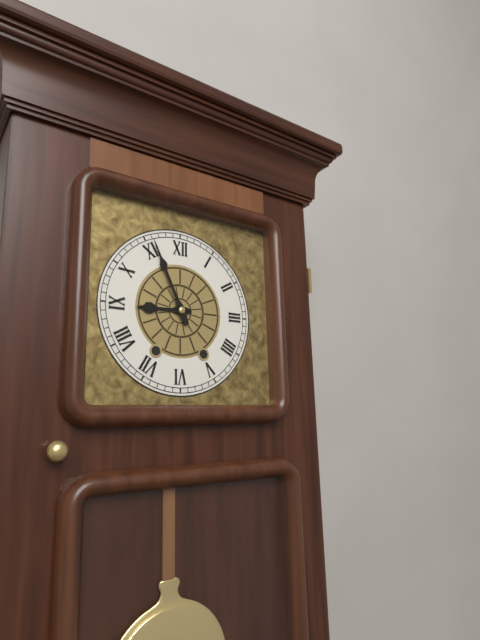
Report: 8:56
